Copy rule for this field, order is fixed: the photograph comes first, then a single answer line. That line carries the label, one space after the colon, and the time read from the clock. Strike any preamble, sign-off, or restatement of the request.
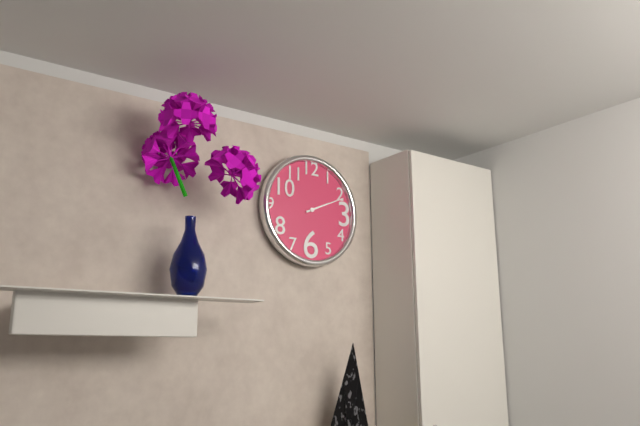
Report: 2:11
